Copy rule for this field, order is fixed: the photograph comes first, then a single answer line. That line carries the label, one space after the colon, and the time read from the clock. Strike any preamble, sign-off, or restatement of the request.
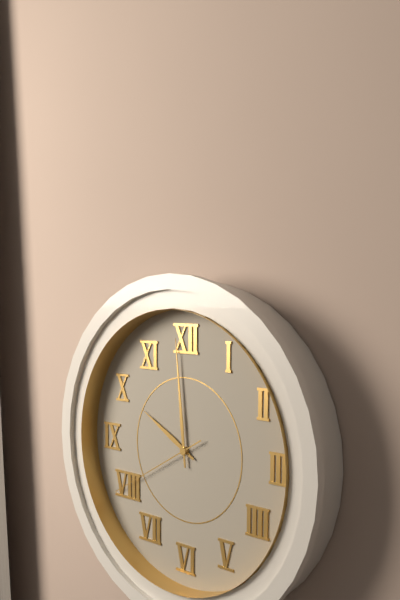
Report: 9:59:40
